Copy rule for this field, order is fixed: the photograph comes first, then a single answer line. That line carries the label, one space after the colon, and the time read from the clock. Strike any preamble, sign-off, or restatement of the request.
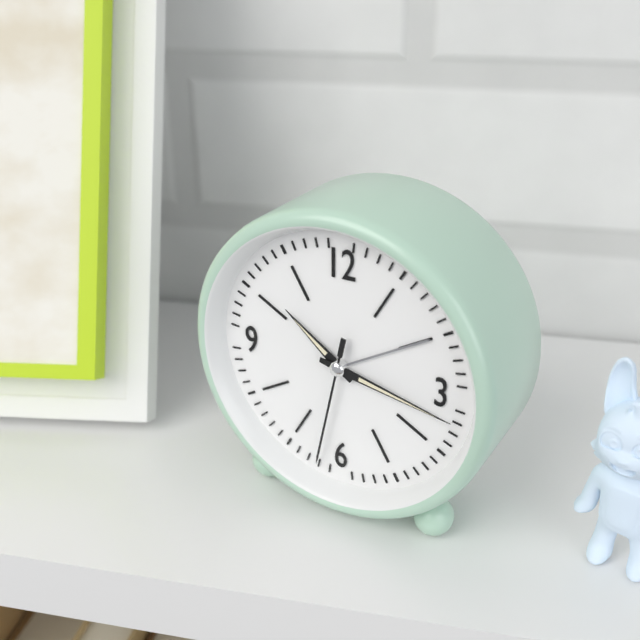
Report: 10:17:32
